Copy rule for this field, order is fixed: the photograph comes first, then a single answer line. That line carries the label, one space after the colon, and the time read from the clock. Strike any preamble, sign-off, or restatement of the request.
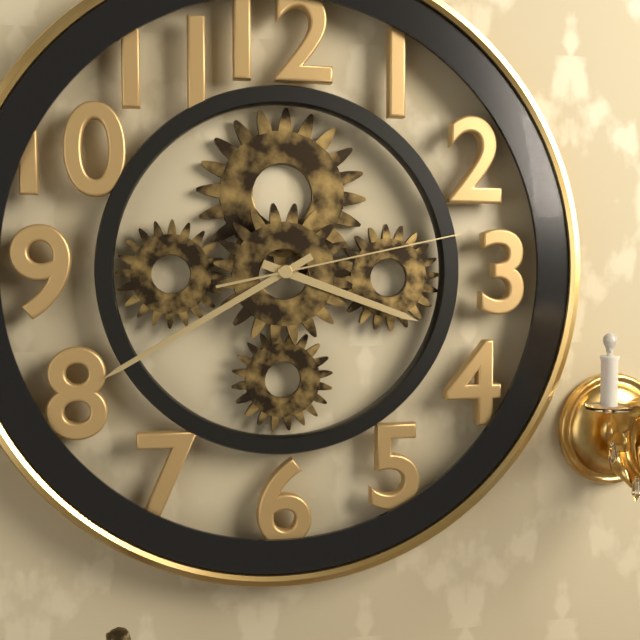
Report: 3:40:13
